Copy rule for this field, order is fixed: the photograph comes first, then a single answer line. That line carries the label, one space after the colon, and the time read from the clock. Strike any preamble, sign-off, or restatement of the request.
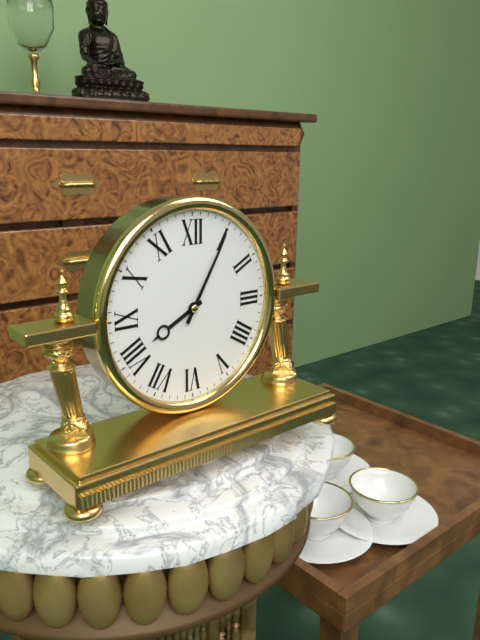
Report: 8:05
